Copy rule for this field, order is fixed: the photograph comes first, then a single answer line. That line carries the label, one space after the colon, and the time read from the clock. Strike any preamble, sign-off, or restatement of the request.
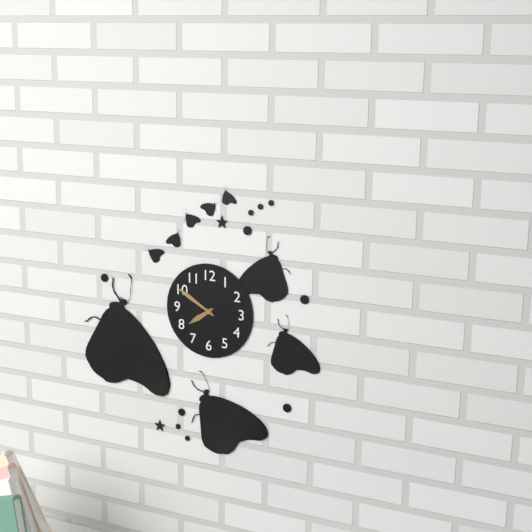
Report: 7:50
